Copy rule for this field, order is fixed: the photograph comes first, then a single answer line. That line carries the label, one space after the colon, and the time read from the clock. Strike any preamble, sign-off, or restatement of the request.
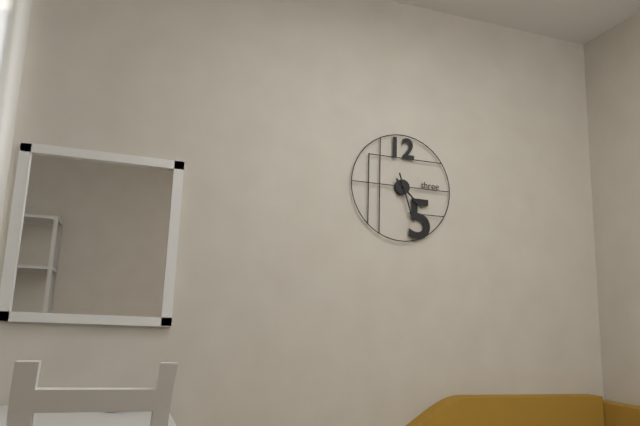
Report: 4:27
